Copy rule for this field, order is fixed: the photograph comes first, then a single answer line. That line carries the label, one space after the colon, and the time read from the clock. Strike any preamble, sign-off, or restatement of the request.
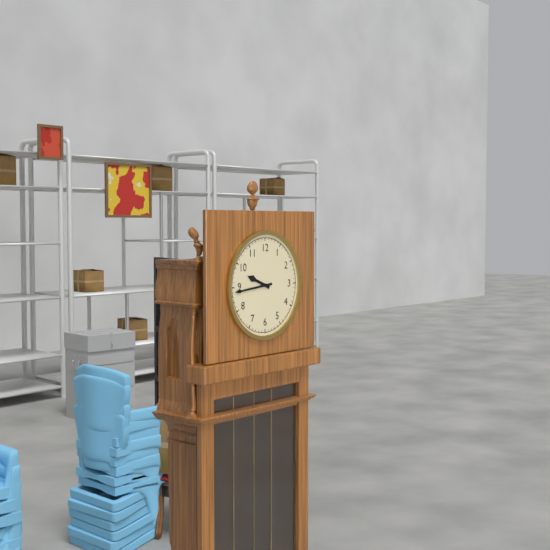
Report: 9:44
